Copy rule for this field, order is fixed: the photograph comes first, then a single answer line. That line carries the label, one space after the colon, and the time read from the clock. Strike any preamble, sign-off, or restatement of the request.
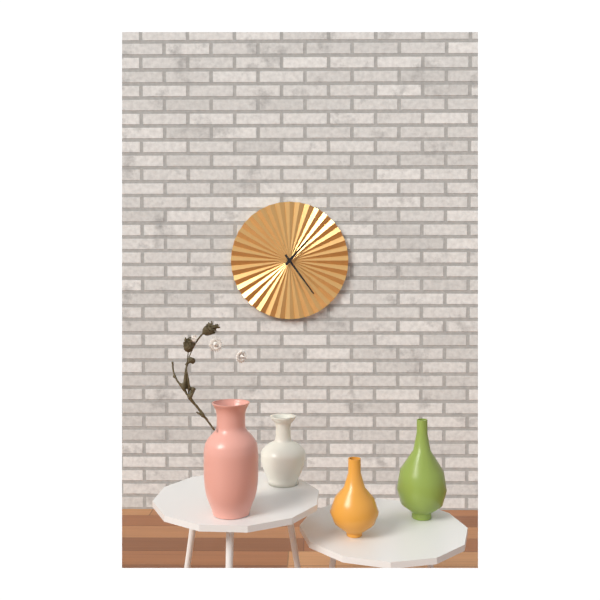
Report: 1:24
